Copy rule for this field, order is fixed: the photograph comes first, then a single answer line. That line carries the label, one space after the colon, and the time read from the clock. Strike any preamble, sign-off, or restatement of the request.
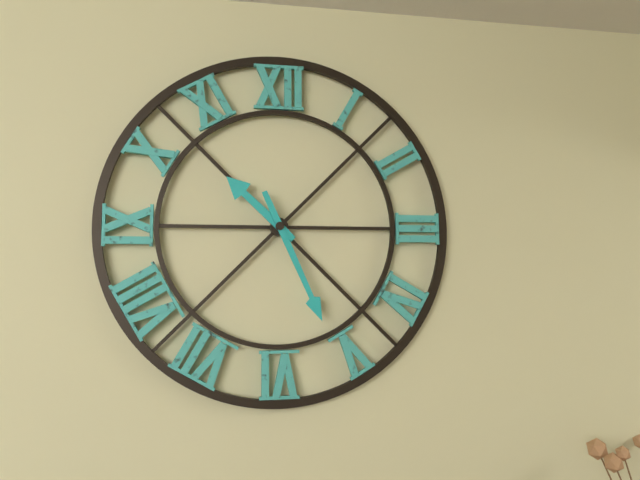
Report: 10:26
